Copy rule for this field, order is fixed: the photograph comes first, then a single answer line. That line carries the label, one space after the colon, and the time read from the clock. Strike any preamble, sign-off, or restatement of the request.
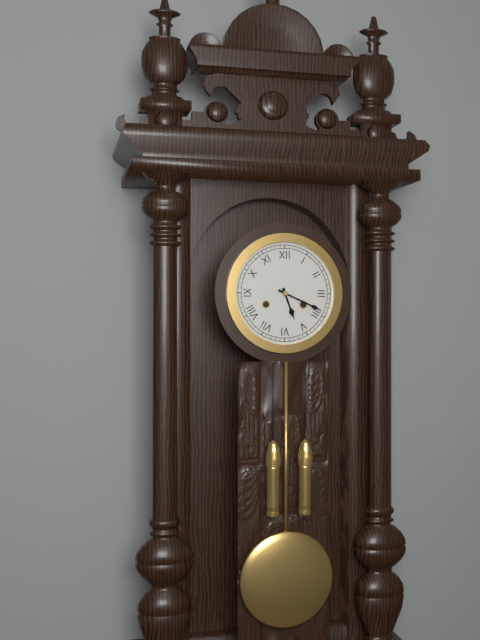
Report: 5:19
